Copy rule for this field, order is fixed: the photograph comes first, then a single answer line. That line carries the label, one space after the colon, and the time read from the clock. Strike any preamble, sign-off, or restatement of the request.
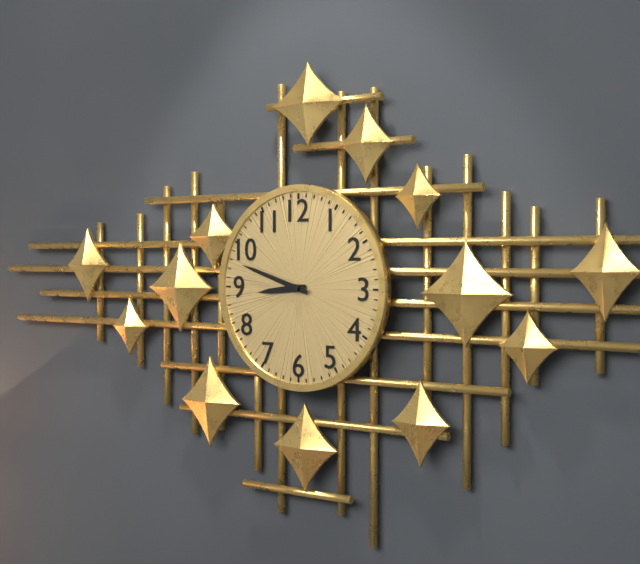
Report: 8:48
